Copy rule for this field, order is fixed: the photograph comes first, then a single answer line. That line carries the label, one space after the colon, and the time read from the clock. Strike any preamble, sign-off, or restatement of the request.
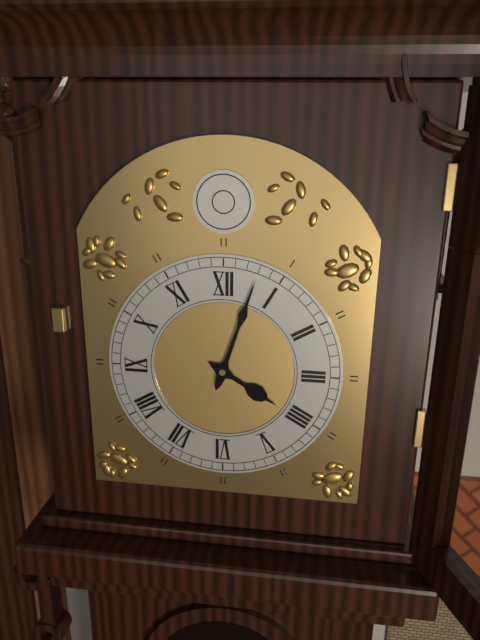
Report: 4:03
